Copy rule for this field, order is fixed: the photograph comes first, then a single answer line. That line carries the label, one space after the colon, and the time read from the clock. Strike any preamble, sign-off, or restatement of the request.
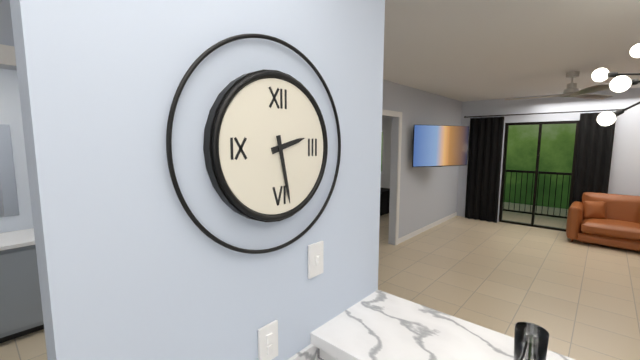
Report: 2:28
